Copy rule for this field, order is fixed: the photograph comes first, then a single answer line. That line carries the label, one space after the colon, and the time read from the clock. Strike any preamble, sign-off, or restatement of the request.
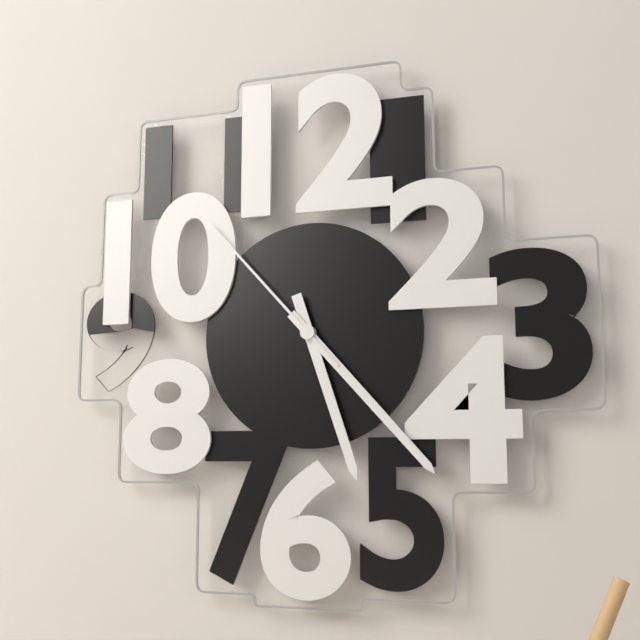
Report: 5:23:53
